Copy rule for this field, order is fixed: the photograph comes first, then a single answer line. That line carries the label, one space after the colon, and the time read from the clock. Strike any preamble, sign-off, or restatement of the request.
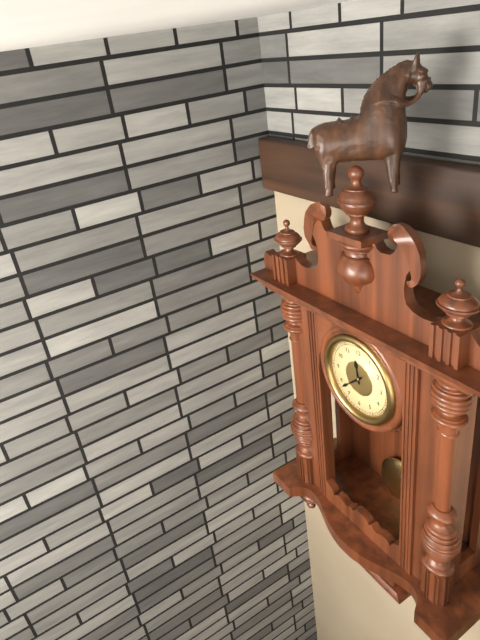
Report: 11:38
